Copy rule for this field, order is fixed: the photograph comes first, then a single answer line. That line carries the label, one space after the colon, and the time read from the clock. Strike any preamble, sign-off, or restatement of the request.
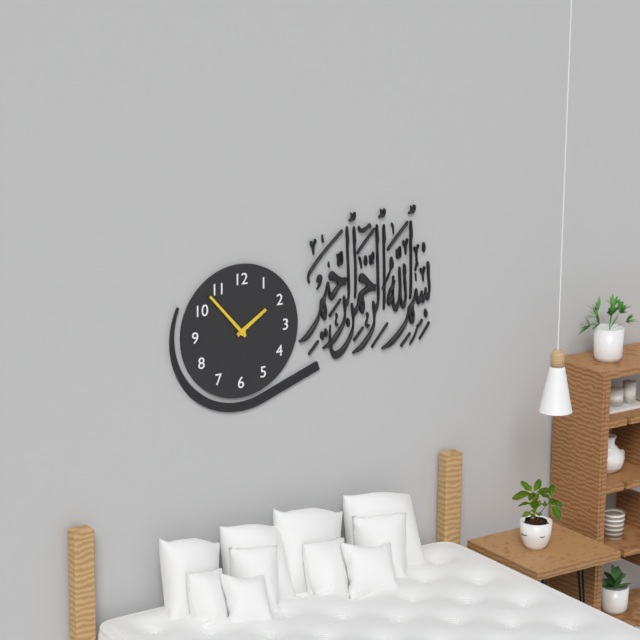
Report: 1:53
